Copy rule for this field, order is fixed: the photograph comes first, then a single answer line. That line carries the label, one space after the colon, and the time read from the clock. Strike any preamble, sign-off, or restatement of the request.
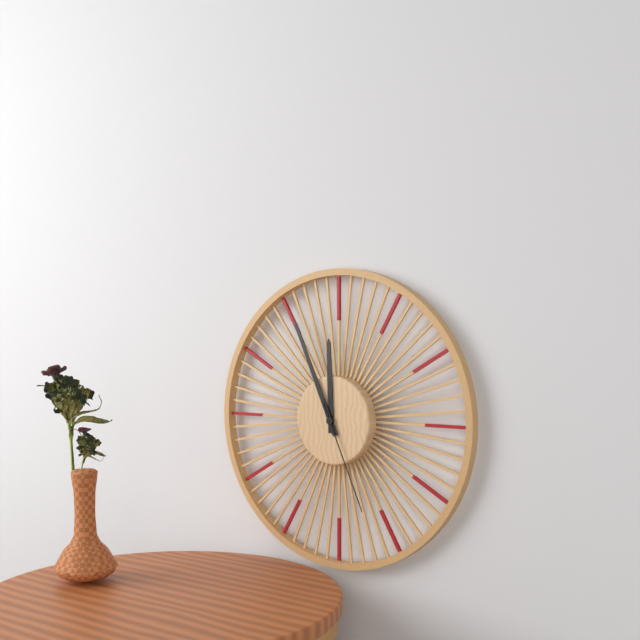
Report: 11:56:26
